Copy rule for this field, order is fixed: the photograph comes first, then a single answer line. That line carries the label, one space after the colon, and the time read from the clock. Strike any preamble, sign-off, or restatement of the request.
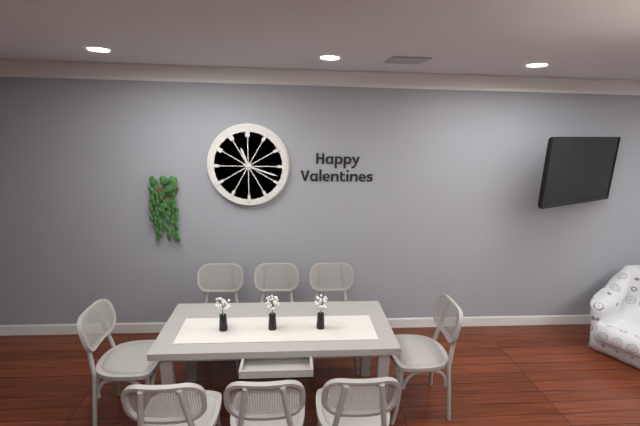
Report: 11:18
